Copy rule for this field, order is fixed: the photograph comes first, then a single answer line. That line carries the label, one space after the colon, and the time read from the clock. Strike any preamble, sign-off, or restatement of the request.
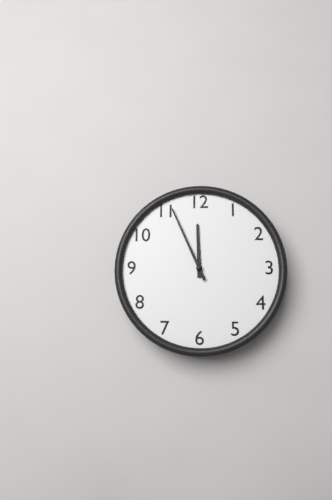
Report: 11:56
